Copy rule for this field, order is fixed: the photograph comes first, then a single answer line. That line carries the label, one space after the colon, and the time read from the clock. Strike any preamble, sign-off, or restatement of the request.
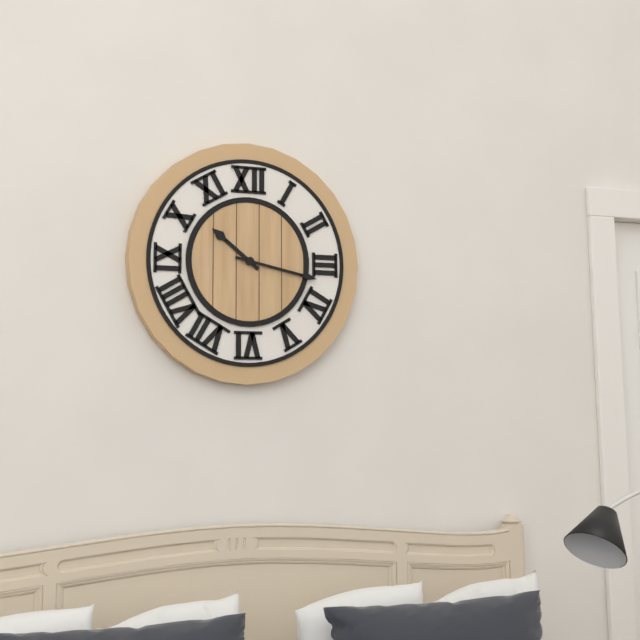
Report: 10:17
